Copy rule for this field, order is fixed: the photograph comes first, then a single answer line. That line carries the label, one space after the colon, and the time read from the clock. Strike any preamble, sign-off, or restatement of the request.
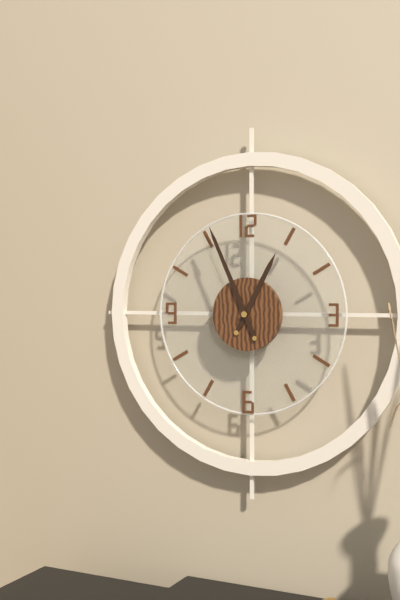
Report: 12:56
